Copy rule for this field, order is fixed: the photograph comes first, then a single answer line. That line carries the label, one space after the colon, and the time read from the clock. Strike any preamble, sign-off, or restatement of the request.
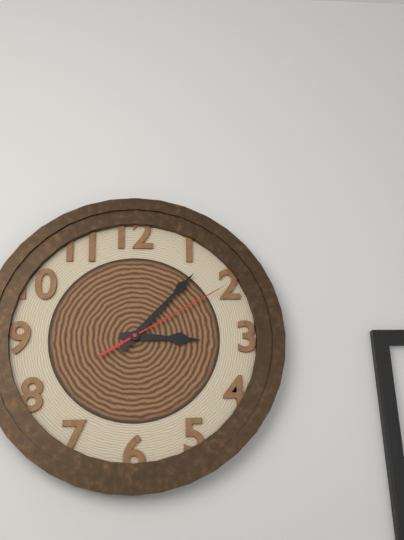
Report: 3:07:10
